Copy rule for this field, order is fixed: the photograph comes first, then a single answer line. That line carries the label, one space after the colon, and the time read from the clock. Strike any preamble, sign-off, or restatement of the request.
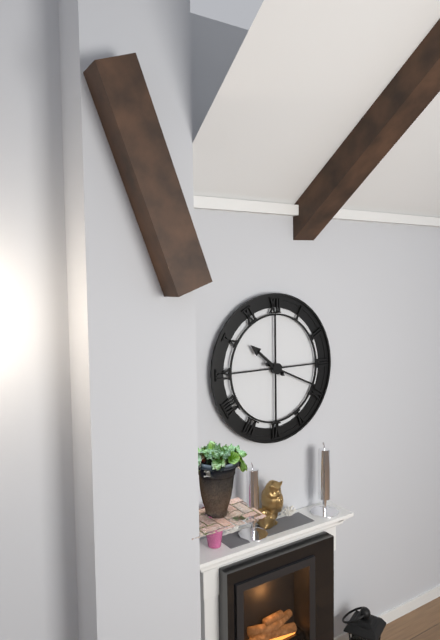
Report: 10:19
